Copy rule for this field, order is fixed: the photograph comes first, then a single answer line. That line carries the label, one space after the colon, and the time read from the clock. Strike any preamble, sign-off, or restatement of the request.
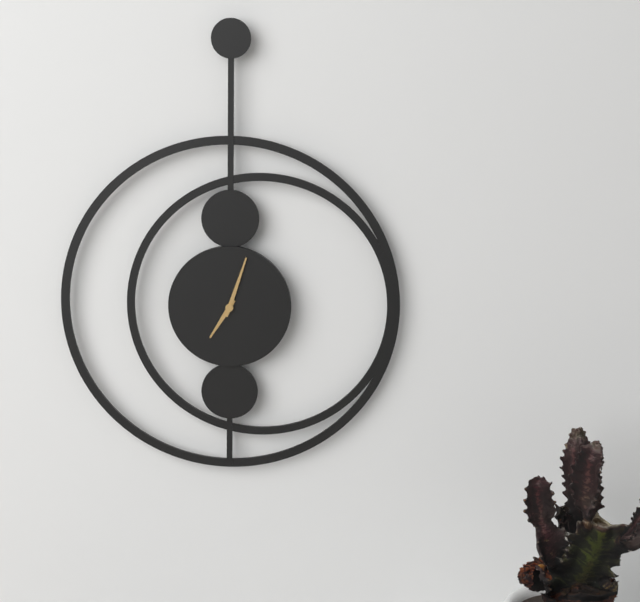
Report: 7:03
